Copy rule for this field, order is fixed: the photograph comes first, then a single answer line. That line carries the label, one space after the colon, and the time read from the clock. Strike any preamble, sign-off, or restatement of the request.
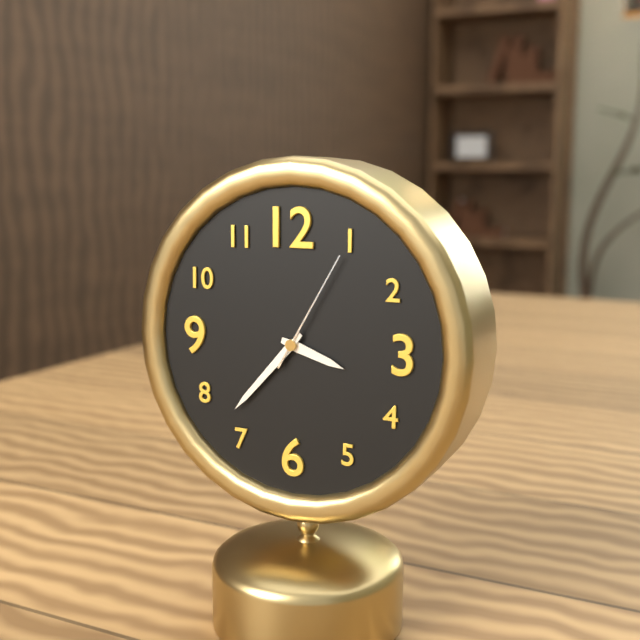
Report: 3:37:05
